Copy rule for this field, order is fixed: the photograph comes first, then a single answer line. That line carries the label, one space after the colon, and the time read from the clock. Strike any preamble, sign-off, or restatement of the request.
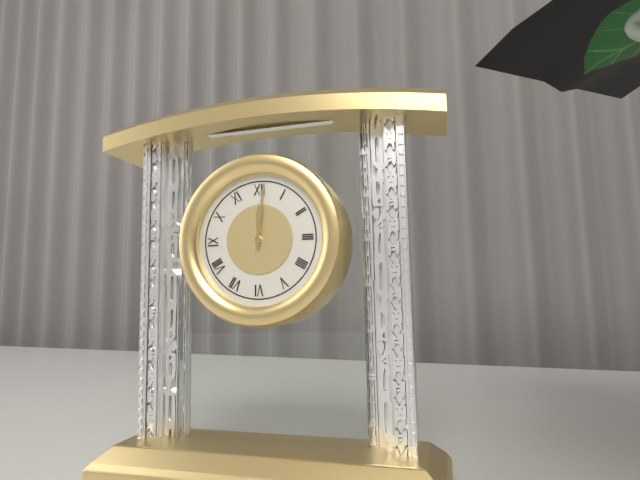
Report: 12:01
